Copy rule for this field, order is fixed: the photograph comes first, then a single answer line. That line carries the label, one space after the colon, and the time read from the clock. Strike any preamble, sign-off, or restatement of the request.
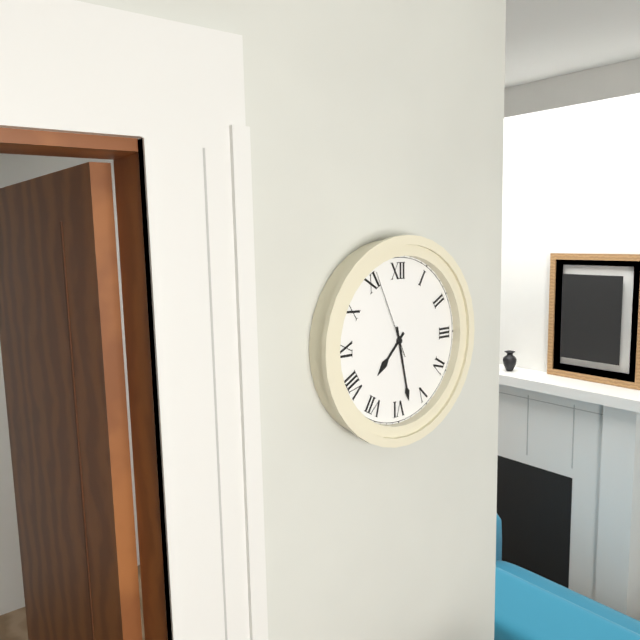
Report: 7:28:56
